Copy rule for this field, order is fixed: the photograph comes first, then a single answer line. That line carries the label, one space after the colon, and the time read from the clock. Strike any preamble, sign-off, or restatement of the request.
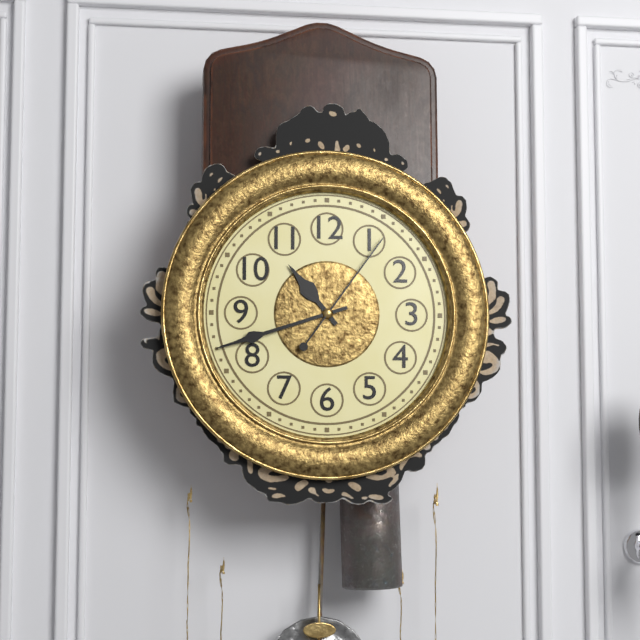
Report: 10:42:06
